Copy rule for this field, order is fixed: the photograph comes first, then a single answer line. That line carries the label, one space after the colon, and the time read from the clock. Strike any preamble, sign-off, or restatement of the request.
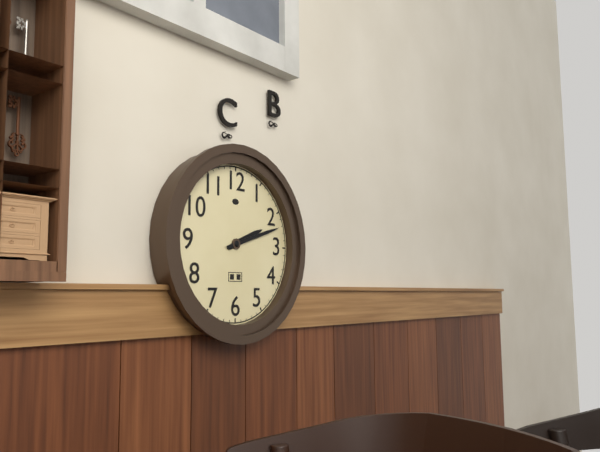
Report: 2:12
